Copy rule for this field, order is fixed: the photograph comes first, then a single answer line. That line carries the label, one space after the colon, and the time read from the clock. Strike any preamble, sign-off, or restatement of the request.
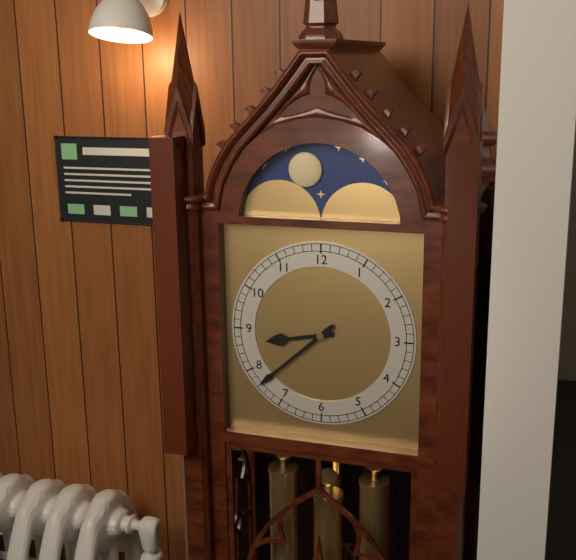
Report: 8:38
